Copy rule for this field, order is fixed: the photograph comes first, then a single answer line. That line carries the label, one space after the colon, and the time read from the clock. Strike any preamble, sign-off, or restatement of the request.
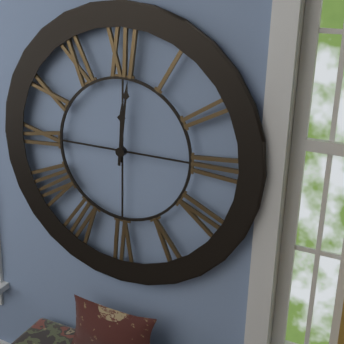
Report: 12:01
